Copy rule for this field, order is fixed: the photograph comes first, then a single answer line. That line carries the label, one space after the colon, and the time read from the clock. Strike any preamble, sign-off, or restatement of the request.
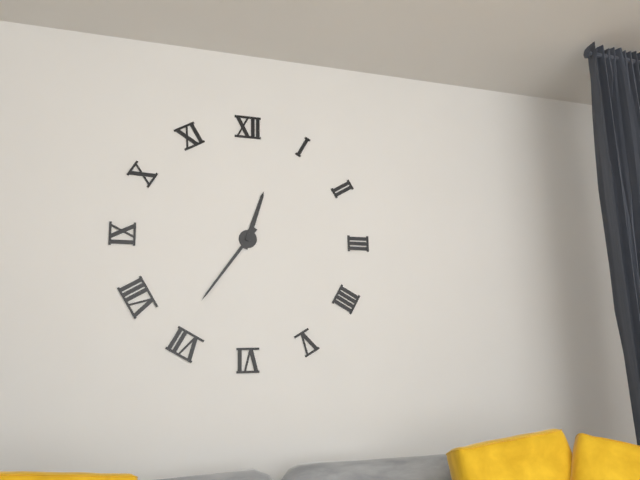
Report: 12:36
